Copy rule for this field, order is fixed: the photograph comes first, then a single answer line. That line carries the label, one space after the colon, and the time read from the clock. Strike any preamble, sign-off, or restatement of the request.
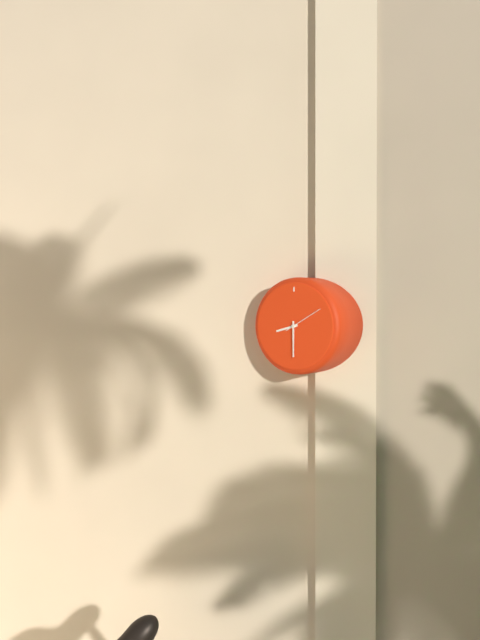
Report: 8:30
